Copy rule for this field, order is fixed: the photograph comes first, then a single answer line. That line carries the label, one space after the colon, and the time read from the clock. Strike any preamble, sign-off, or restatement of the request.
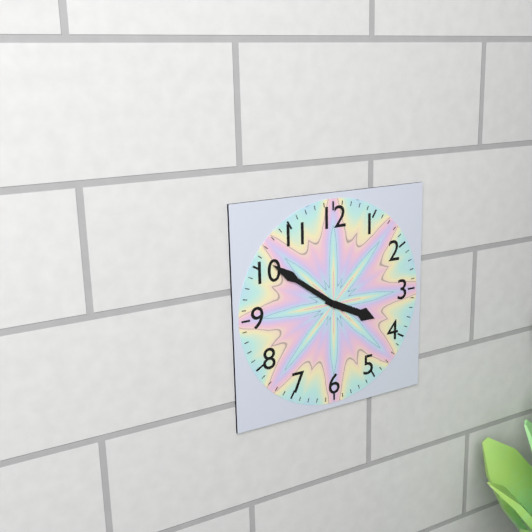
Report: 3:51
